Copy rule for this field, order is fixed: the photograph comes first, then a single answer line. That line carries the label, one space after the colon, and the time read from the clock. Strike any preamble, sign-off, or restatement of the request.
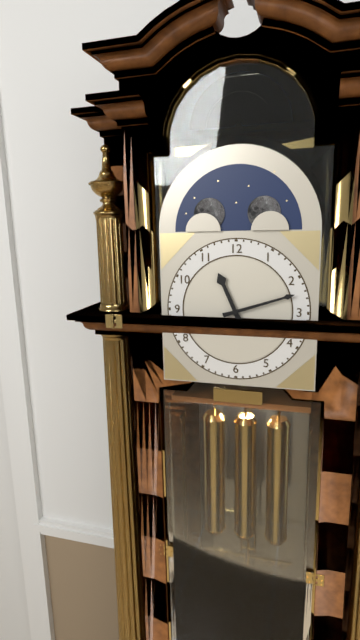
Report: 11:12
